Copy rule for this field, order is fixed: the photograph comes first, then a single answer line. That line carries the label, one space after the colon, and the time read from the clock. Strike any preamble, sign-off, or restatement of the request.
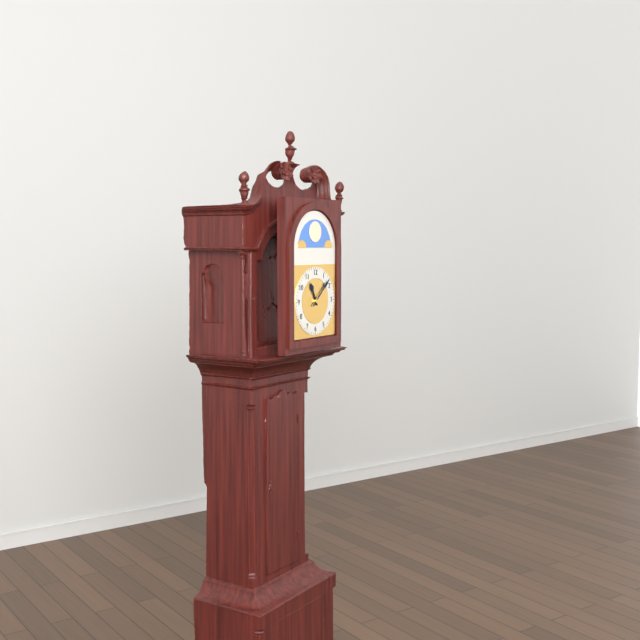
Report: 11:08
